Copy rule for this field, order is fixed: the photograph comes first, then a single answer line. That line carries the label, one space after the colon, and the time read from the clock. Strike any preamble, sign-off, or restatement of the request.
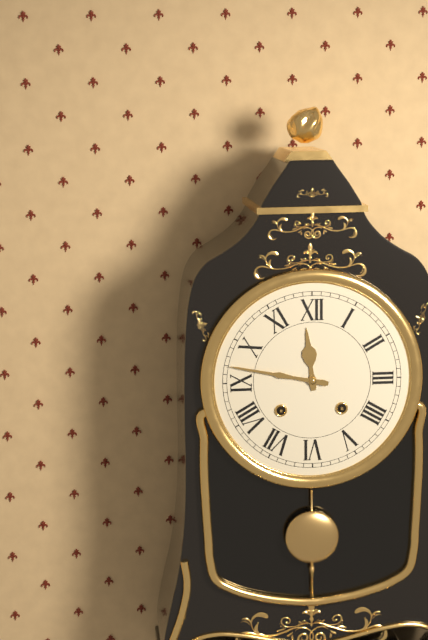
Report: 11:47
